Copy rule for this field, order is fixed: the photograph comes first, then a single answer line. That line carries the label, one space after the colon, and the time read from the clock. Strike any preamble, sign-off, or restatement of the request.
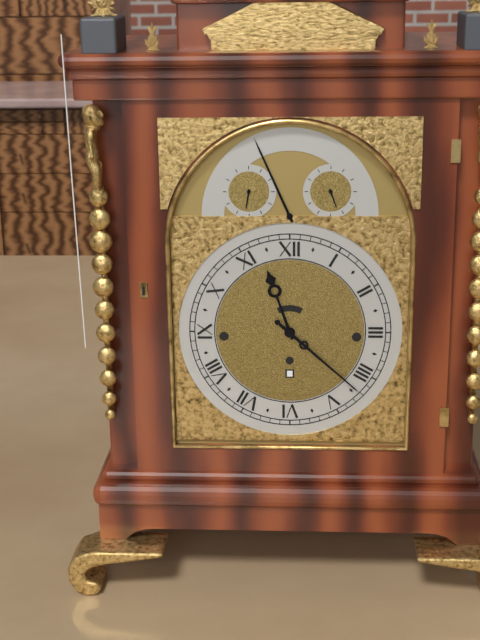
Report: 11:22
